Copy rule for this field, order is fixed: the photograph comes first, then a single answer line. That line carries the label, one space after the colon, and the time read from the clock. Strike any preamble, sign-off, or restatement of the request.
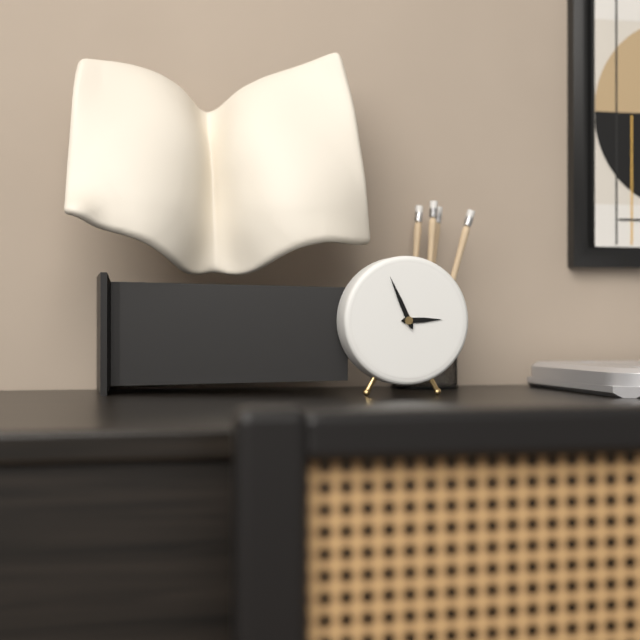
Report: 2:56
